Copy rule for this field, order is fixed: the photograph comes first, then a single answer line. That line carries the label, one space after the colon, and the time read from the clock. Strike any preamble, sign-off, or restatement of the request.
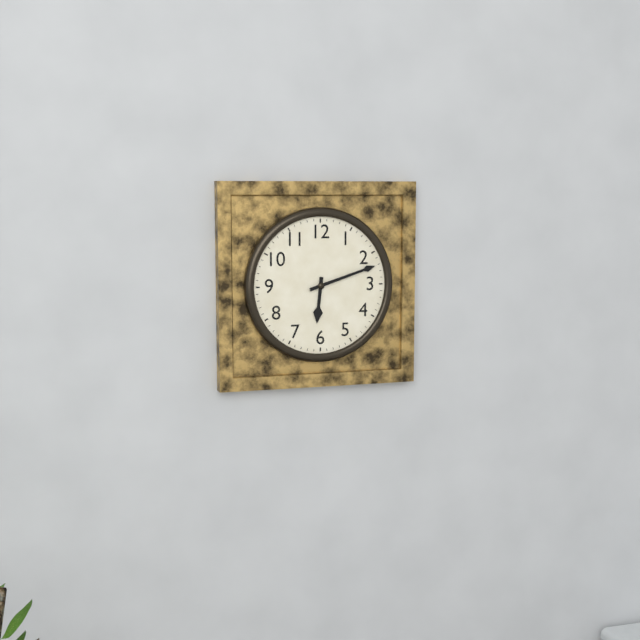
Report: 6:12
